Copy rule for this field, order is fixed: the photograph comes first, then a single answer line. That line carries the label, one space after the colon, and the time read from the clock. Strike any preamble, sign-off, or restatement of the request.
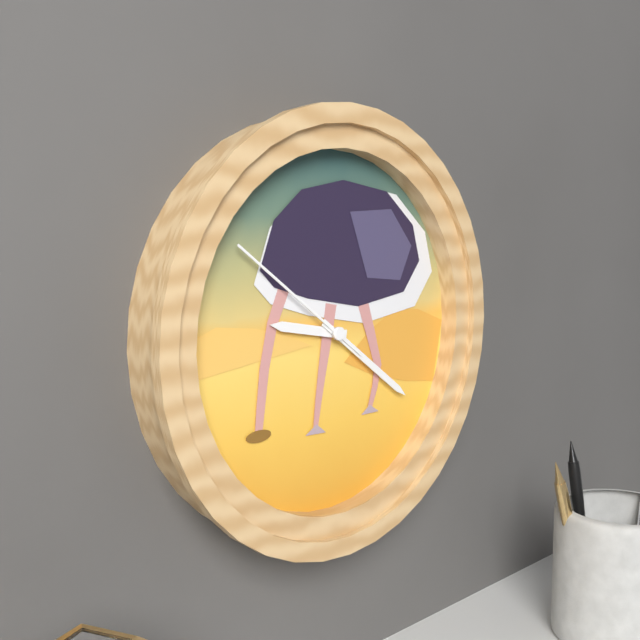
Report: 9:21:51
